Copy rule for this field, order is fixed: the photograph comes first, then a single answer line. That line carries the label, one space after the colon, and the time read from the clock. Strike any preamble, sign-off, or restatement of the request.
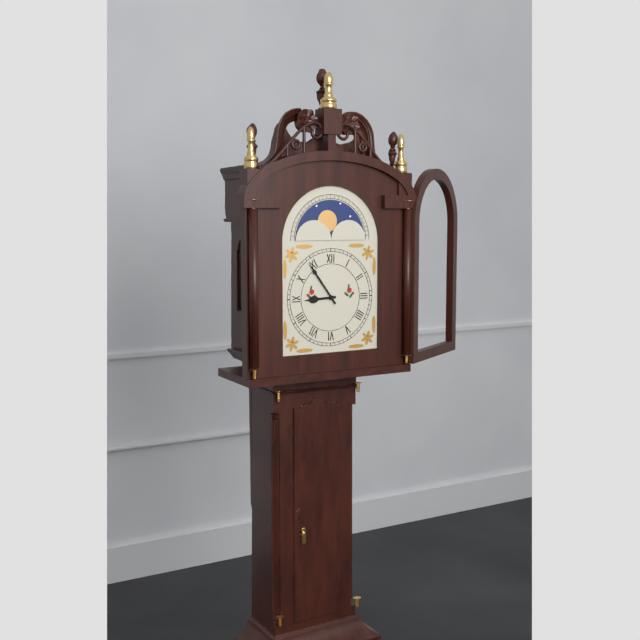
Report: 8:54
